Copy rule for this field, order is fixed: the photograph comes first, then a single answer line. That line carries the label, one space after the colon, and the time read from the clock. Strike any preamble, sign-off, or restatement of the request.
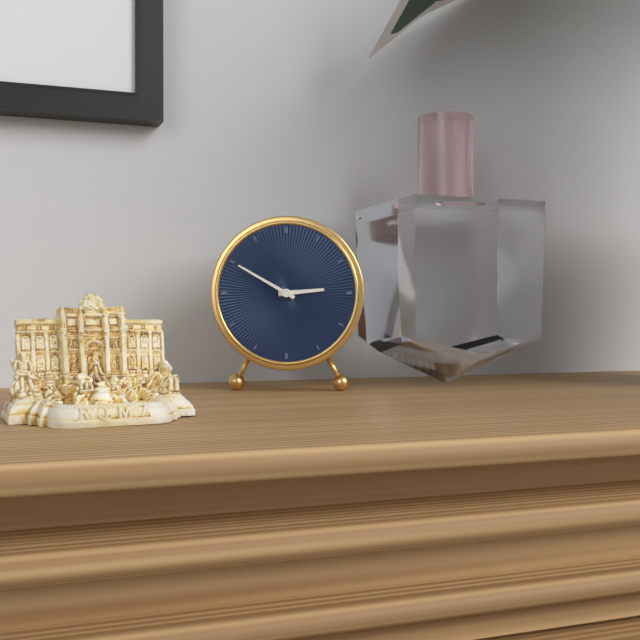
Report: 2:50
